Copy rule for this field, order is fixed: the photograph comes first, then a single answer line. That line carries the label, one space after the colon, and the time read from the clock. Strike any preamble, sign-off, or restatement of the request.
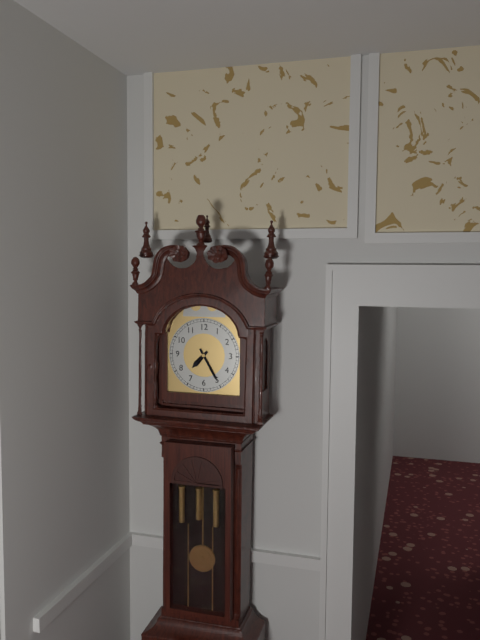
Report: 7:25
